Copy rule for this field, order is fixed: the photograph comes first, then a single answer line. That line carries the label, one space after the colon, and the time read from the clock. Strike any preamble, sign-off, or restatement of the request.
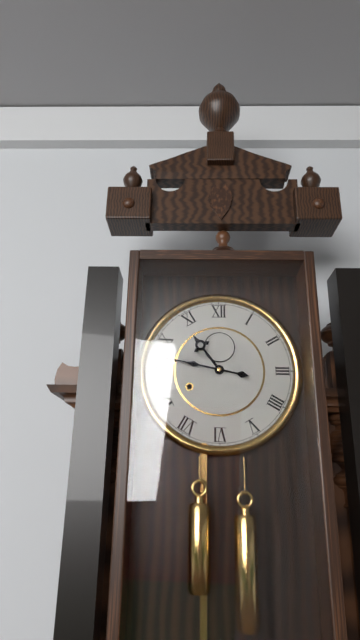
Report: 10:47
